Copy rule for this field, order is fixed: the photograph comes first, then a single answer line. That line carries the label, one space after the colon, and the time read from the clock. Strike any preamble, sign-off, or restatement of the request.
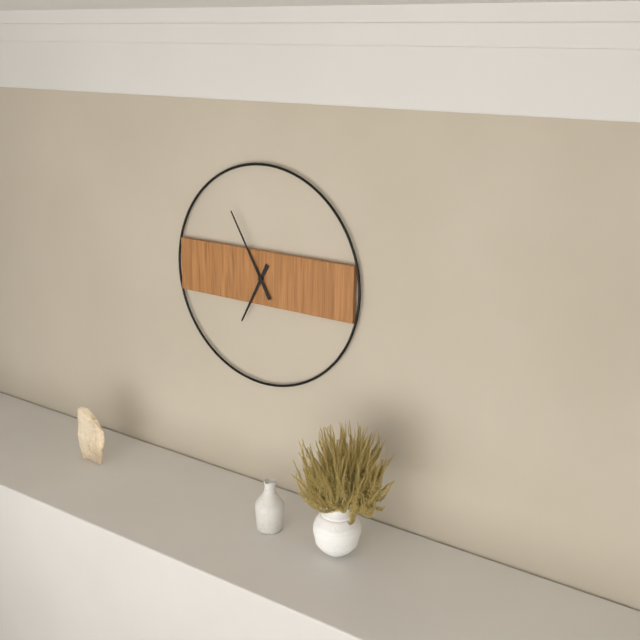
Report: 6:55
